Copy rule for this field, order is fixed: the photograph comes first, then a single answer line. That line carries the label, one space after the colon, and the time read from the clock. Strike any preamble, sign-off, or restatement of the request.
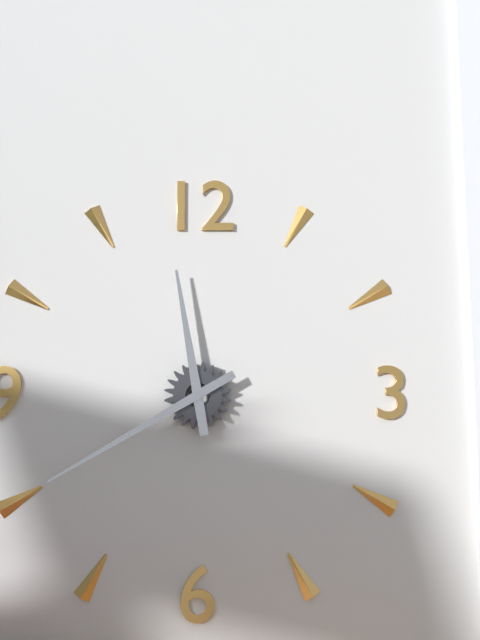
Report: 11:40
